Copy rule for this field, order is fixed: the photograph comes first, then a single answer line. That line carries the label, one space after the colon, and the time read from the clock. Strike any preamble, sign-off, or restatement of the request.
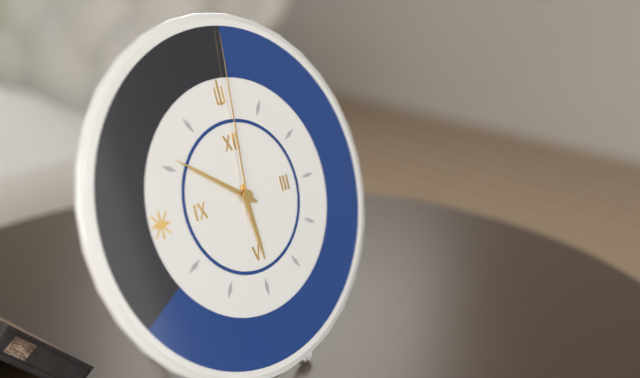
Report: 5:51:01
